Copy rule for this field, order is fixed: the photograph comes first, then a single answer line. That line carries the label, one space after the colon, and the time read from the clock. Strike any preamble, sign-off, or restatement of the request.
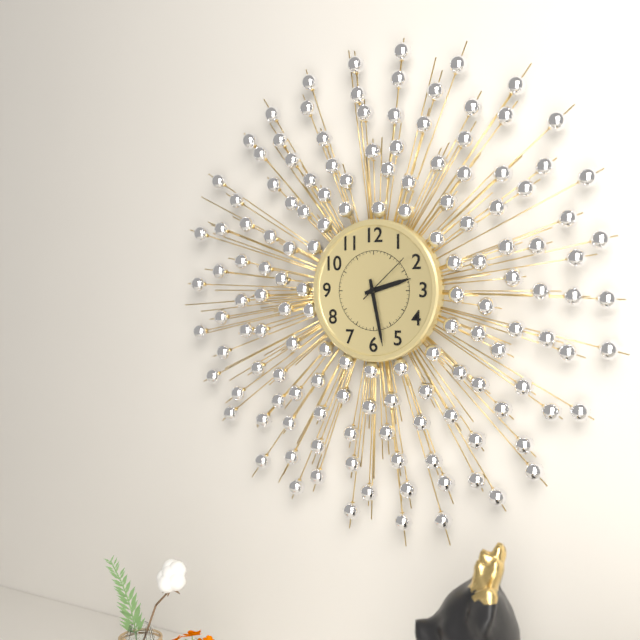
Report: 2:28:08
